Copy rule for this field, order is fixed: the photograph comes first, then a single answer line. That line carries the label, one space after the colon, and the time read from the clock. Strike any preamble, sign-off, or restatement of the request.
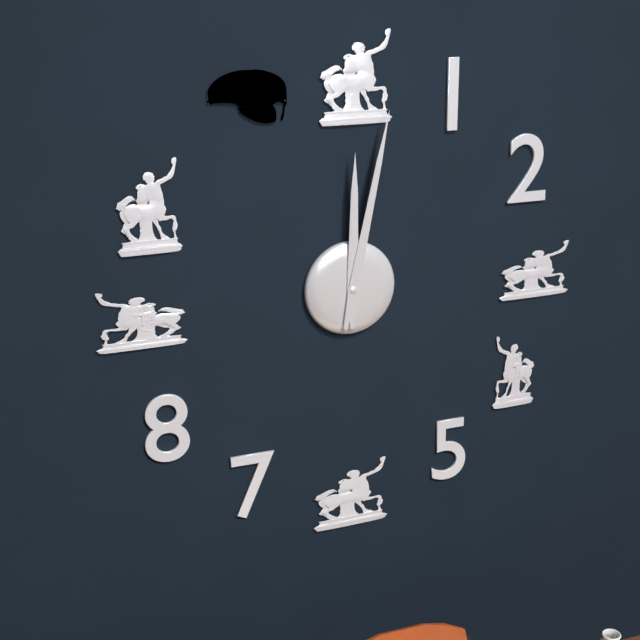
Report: 12:02
